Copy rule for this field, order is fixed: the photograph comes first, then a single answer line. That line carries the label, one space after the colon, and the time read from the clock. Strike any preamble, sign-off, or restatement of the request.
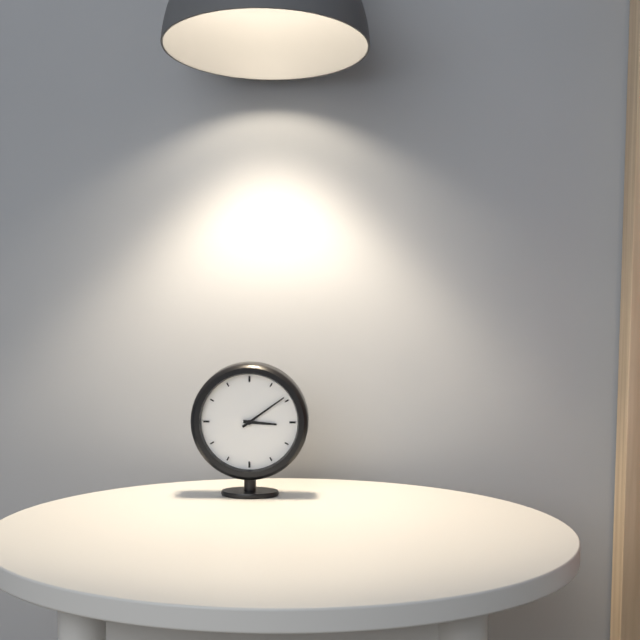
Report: 3:09
